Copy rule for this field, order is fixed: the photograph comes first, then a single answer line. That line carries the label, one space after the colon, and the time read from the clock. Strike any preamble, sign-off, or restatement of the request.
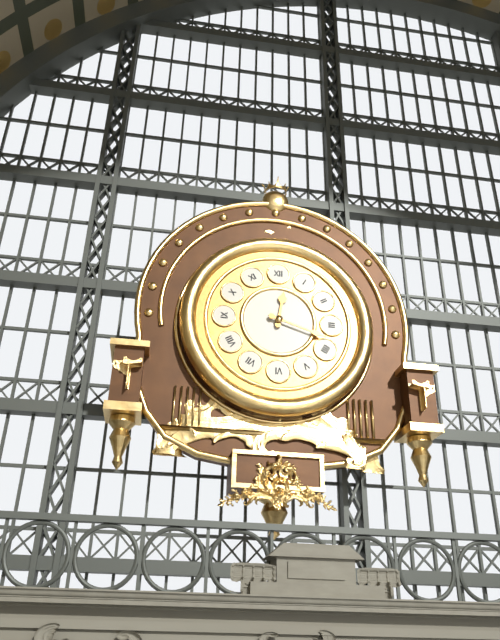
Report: 12:18
